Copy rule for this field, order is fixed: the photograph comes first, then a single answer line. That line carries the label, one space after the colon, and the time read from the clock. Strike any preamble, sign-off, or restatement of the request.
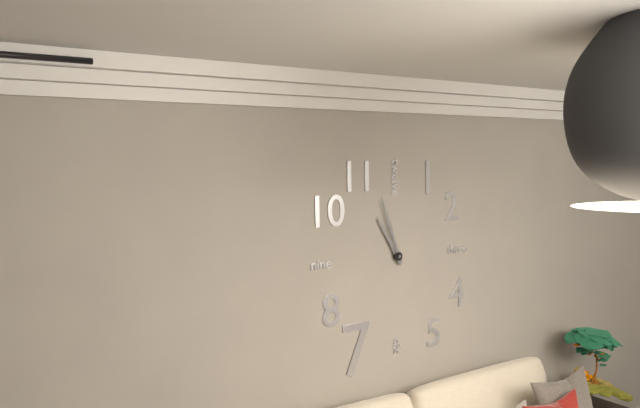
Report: 10:57
